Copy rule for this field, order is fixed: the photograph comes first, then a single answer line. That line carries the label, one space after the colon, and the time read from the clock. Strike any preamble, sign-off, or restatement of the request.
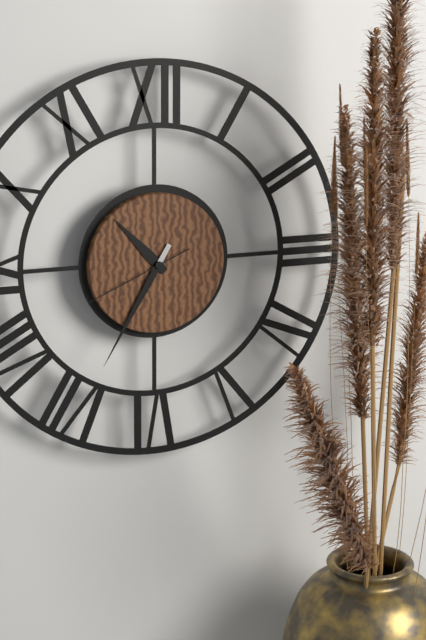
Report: 10:35:41
